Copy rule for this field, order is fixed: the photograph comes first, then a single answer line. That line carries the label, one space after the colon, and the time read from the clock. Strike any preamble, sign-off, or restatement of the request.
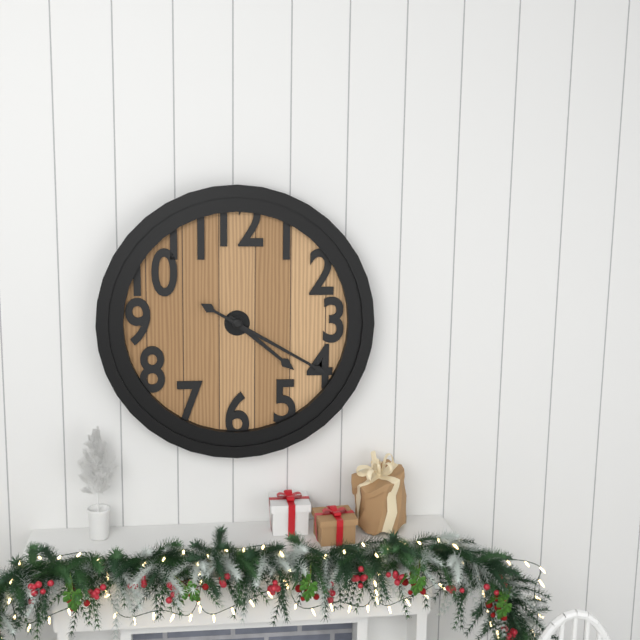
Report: 4:20
